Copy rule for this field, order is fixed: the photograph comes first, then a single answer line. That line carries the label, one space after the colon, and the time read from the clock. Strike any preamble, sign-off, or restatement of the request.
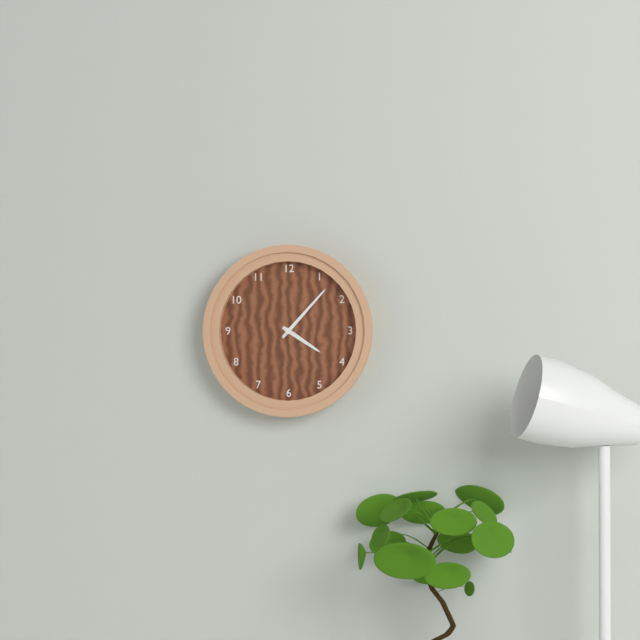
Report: 4:07
